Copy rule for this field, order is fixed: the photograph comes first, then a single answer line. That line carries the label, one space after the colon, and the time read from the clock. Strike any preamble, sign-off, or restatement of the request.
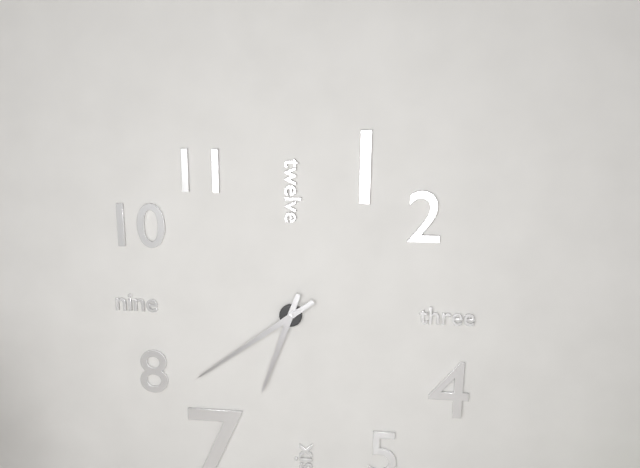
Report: 6:39
